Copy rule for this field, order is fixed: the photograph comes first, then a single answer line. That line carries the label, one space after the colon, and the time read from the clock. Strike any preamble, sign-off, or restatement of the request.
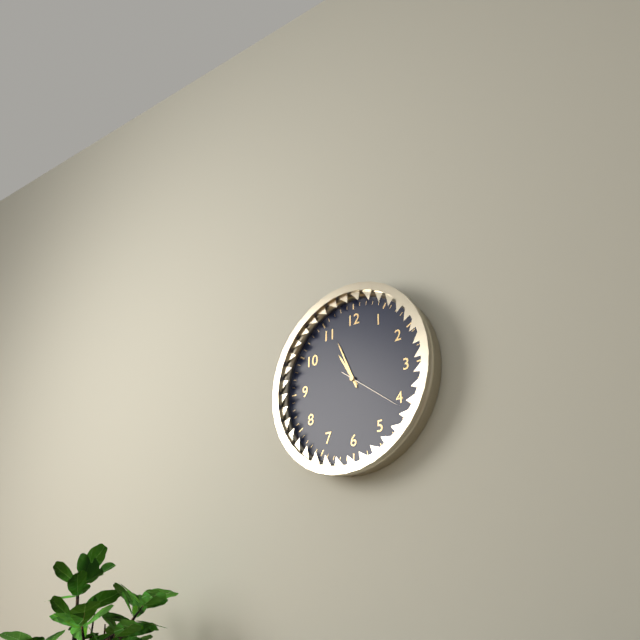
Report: 10:56:21
